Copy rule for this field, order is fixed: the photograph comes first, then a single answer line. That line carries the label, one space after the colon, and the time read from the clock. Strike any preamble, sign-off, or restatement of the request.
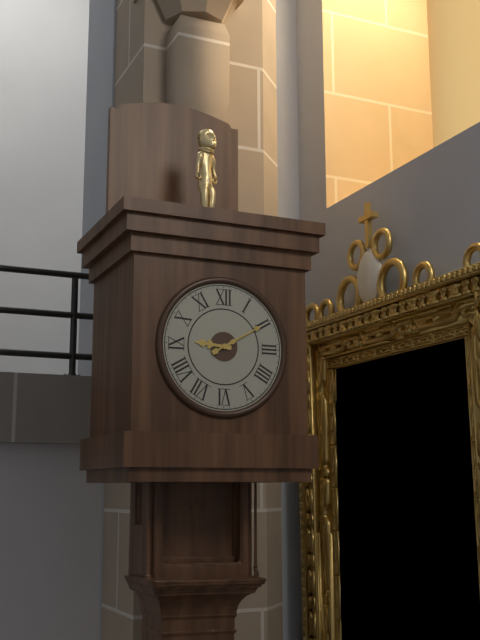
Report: 9:10
